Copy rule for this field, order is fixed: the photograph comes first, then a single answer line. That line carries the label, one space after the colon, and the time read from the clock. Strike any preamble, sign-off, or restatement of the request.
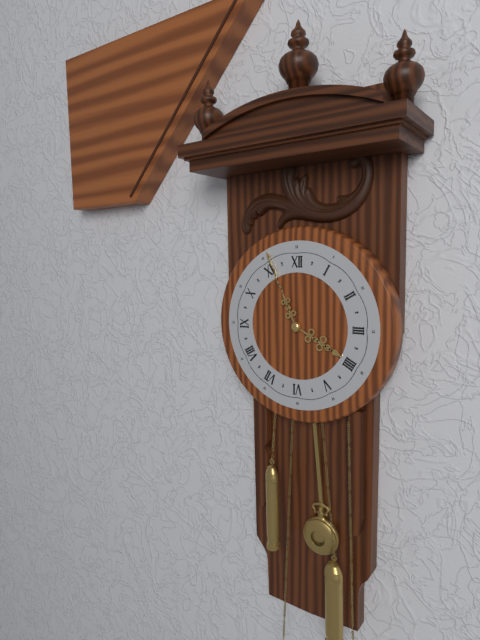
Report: 3:56
